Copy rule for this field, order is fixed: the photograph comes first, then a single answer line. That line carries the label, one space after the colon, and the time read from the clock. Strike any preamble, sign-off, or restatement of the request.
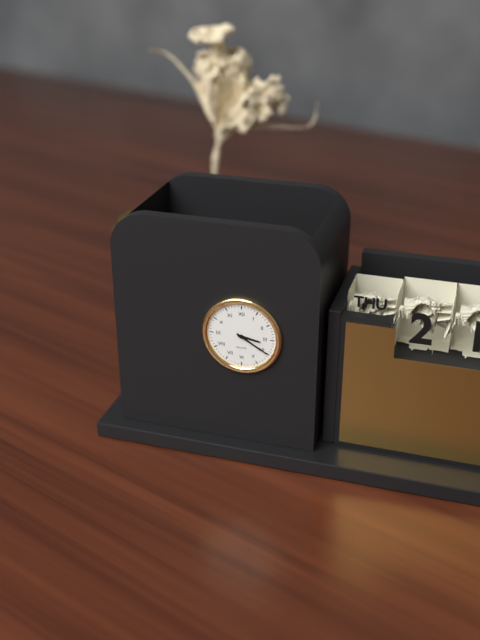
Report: 3:20
